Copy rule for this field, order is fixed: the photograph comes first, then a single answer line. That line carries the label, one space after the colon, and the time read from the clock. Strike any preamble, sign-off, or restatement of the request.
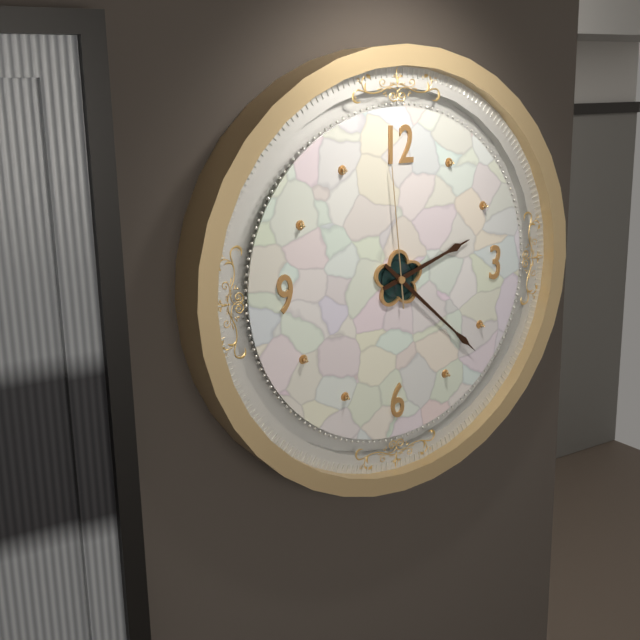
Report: 2:22:59
